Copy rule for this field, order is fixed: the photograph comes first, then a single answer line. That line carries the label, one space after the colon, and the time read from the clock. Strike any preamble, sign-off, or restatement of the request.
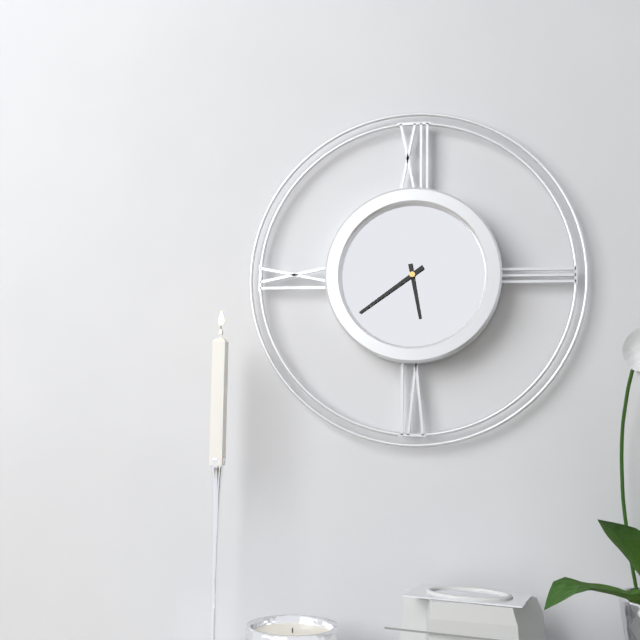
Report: 5:39
